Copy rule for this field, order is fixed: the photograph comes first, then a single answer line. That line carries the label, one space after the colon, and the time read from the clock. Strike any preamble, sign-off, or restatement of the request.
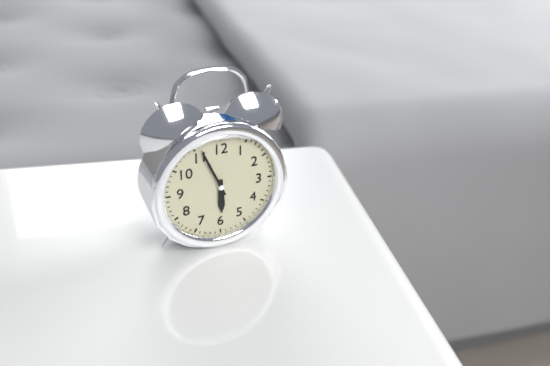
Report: 5:56
